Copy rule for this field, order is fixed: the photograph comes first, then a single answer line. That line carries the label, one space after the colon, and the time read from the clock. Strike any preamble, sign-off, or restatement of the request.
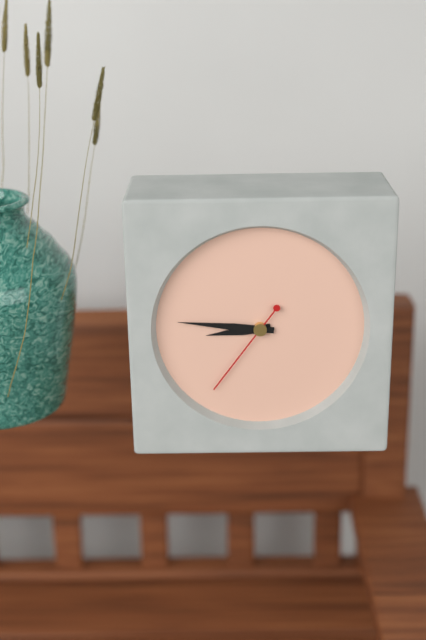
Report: 8:46:36
